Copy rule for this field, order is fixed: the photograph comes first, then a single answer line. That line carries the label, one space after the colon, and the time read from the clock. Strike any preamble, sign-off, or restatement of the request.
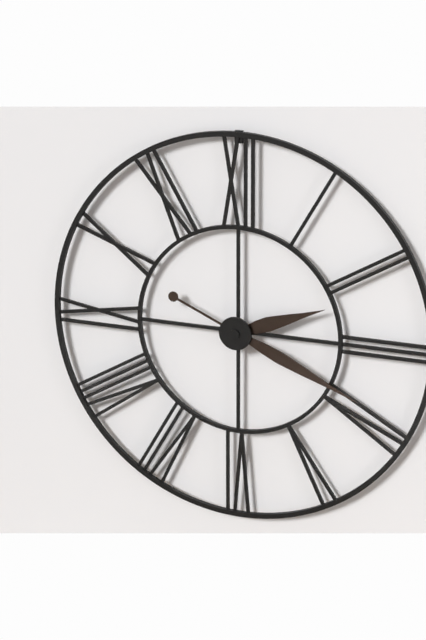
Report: 2:19
